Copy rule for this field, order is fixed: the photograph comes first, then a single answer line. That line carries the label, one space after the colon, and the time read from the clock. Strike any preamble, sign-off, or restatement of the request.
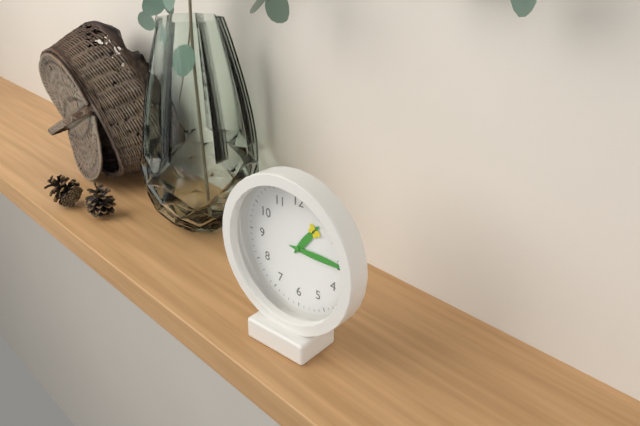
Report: 1:15
